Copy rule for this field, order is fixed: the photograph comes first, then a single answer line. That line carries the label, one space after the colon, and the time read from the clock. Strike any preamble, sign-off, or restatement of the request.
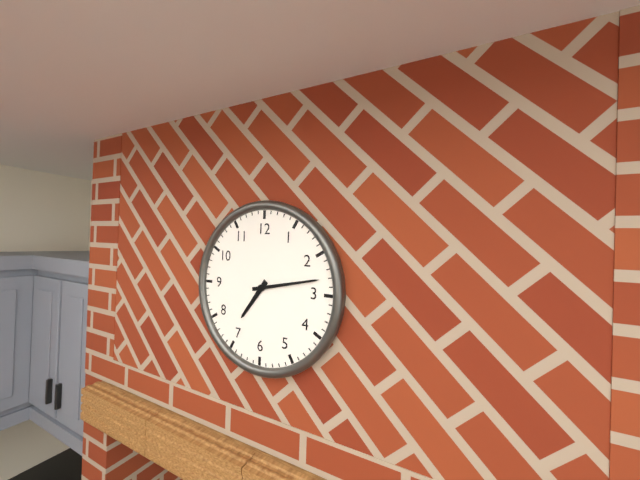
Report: 7:13
